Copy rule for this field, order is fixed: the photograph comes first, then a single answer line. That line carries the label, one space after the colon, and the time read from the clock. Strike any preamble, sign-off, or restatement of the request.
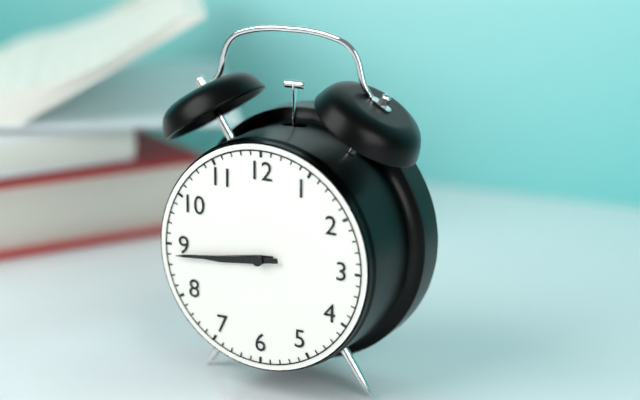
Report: 8:44
